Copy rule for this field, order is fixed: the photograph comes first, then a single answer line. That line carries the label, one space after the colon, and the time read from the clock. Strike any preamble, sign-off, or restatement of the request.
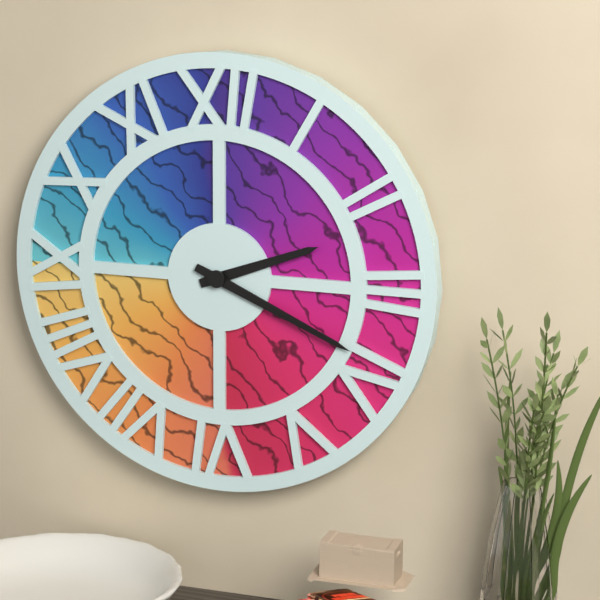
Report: 2:19
